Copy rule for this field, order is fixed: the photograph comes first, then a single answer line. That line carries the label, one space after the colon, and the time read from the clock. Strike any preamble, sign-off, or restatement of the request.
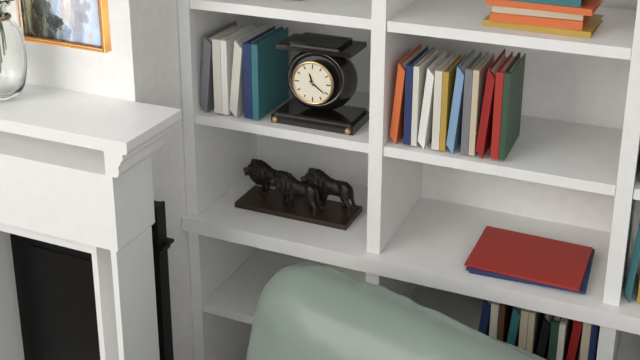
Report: 11:21
